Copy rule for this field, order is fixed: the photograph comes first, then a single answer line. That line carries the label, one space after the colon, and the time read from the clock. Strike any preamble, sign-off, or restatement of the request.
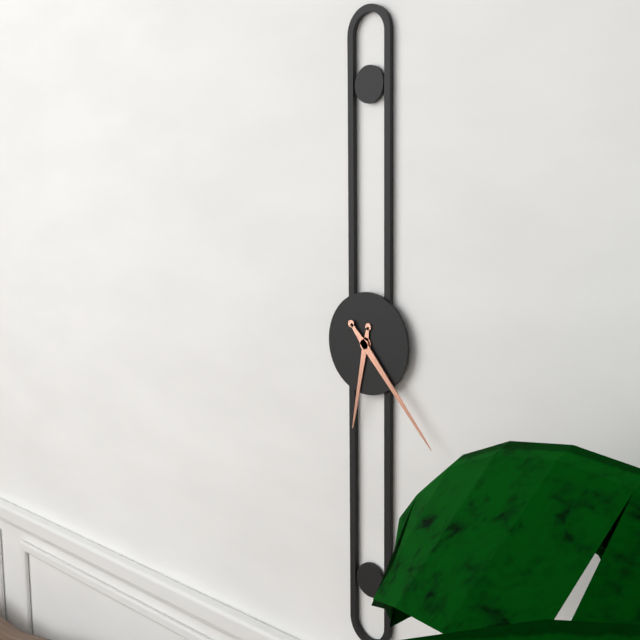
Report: 6:23
